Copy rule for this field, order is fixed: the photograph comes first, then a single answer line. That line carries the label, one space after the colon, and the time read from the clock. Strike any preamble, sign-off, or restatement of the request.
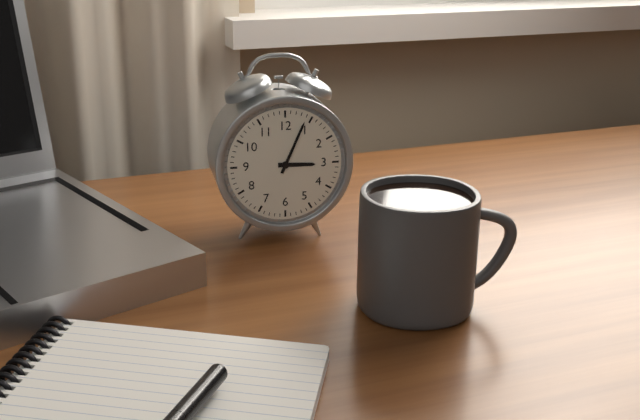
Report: 3:04
